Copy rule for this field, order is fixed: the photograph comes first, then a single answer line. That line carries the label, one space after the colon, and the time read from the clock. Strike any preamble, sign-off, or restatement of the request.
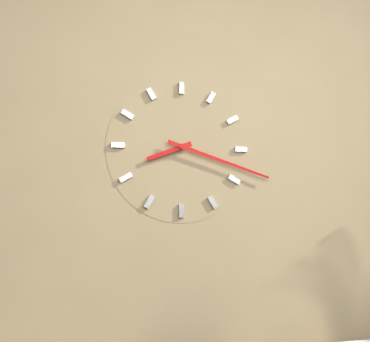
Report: 8:18
